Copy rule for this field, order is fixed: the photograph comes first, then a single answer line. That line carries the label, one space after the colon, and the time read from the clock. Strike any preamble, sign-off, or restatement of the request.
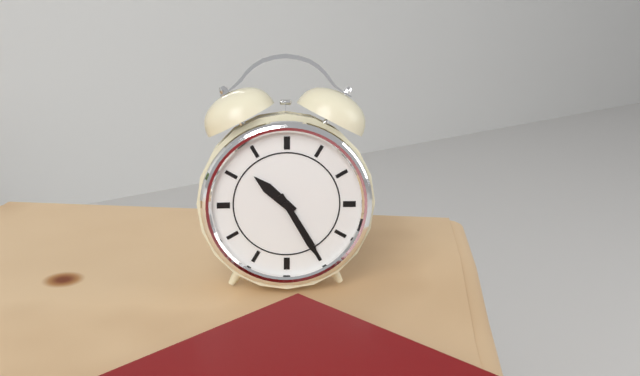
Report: 10:25
